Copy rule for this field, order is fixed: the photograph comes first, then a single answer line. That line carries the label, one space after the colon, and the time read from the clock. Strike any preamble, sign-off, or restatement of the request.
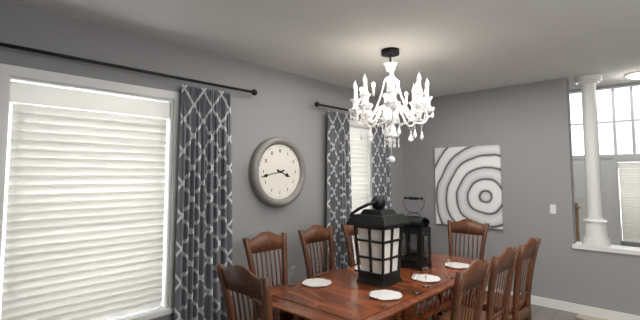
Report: 3:43
